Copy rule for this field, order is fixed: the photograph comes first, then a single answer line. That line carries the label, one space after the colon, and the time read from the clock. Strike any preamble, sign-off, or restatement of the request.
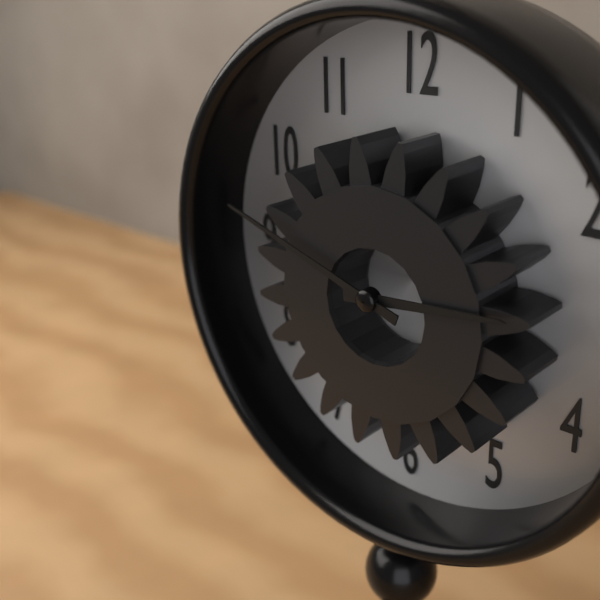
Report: 2:48
